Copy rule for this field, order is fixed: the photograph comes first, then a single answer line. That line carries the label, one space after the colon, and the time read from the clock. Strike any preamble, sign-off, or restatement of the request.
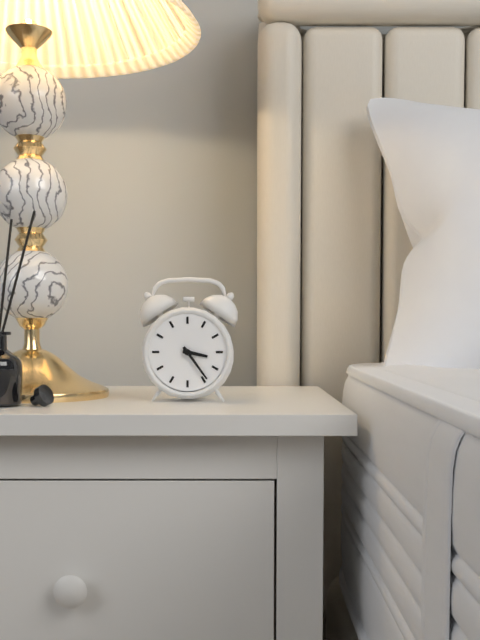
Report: 3:24
